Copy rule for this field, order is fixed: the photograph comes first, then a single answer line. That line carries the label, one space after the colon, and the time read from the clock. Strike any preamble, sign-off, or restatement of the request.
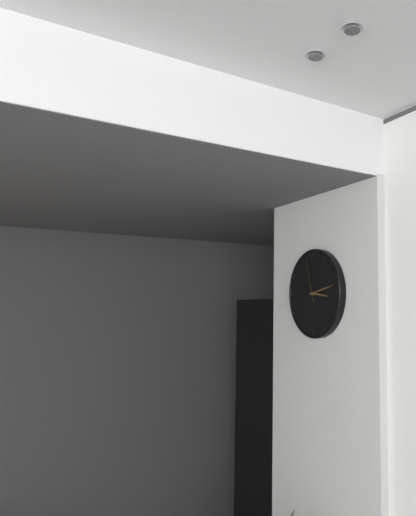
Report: 3:13
